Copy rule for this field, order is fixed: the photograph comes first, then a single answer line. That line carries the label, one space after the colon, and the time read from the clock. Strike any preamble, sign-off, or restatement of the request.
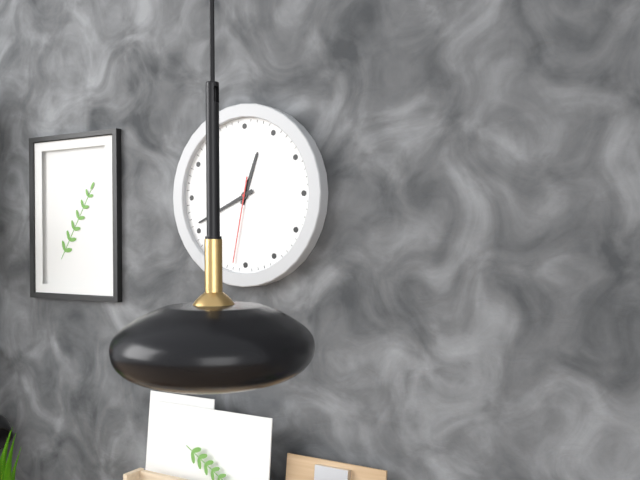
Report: 12:41:32
